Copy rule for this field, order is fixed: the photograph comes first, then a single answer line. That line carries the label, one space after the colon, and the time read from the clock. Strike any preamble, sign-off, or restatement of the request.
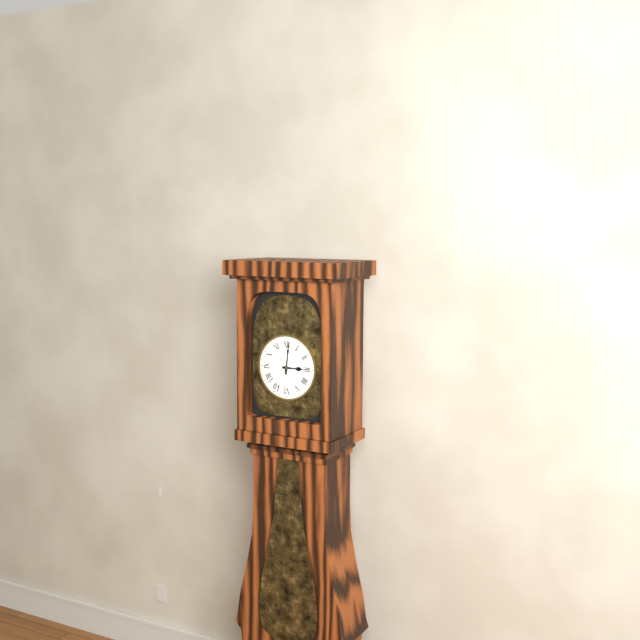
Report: 3:01
